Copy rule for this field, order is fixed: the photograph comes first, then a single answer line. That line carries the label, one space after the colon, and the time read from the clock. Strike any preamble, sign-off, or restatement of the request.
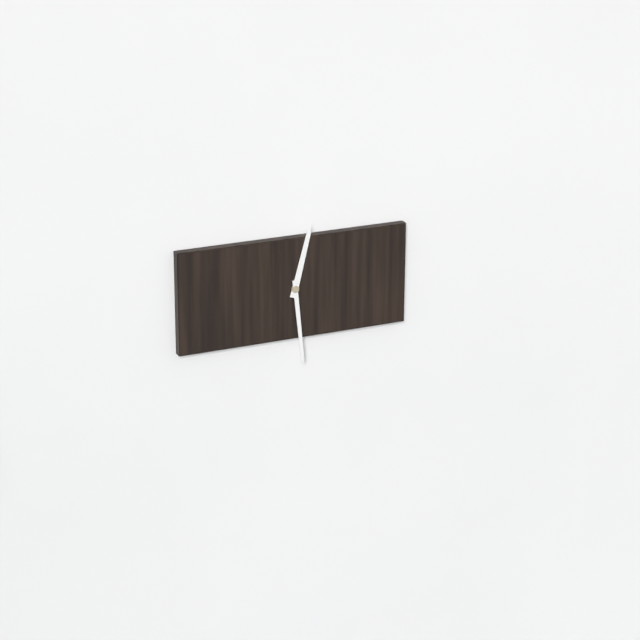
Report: 12:29
